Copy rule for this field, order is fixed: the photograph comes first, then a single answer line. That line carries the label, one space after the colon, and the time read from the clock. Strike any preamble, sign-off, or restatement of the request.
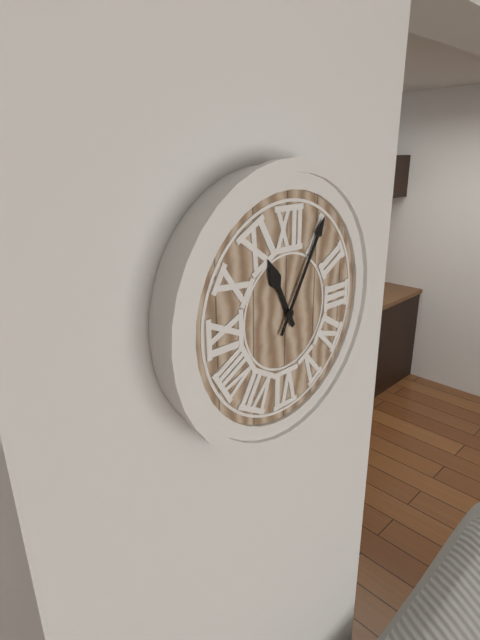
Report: 11:05
